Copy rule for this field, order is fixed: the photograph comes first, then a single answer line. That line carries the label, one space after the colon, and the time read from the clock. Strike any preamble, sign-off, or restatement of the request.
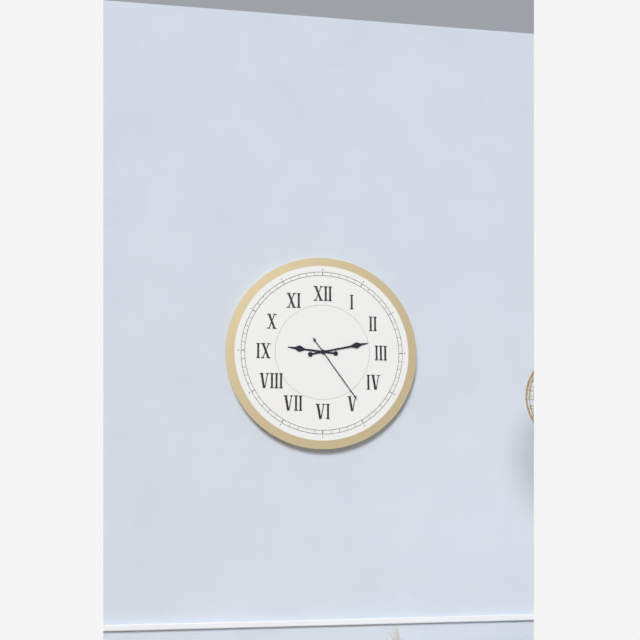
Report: 9:13:24
